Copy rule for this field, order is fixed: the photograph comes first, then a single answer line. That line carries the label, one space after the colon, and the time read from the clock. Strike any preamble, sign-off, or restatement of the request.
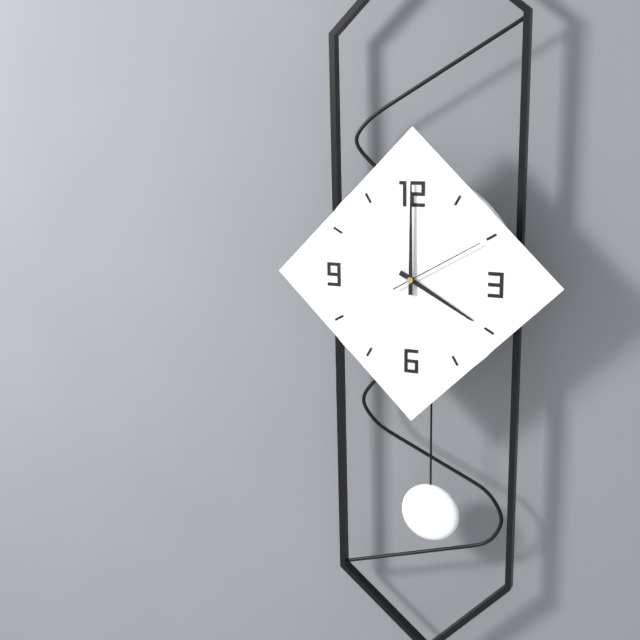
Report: 4:00:10
